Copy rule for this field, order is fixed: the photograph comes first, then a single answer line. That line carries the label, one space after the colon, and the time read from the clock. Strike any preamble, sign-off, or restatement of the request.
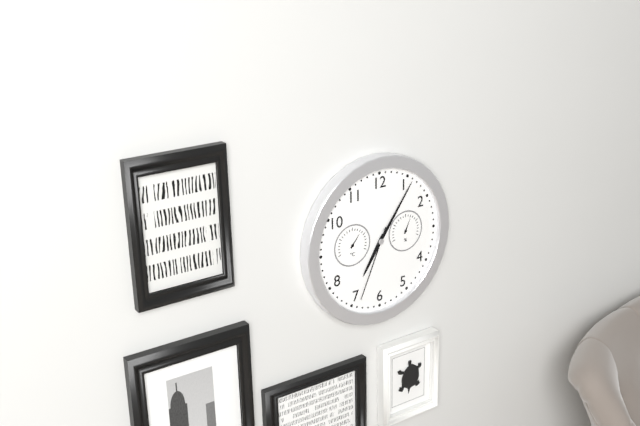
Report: 7:06:34
